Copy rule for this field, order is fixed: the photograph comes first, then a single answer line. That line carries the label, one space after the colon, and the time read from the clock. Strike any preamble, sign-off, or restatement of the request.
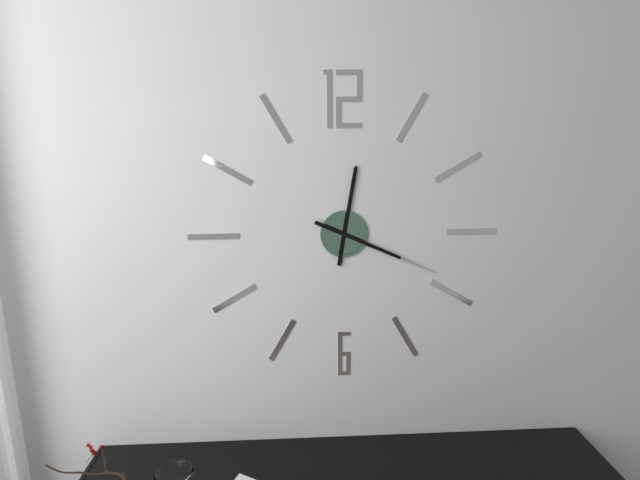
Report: 12:19
